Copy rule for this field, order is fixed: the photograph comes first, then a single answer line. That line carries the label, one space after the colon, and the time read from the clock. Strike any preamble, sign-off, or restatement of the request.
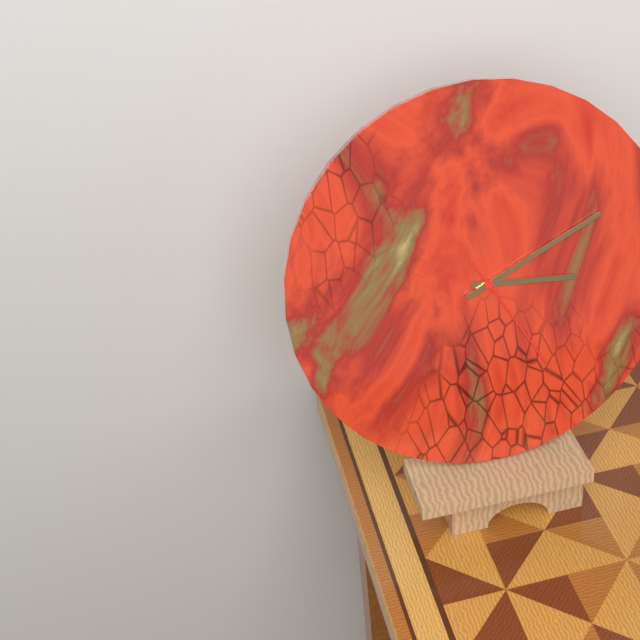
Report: 3:11:25
